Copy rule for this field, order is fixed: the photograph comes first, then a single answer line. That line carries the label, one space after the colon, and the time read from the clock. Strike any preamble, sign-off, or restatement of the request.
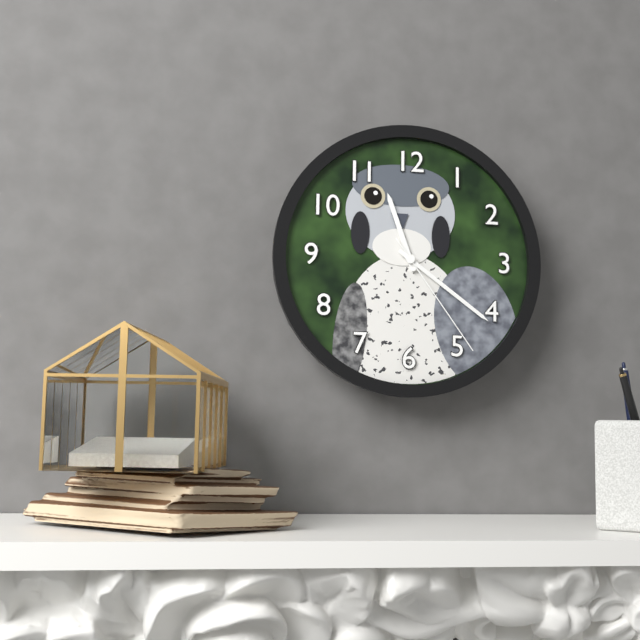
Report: 11:21:24
